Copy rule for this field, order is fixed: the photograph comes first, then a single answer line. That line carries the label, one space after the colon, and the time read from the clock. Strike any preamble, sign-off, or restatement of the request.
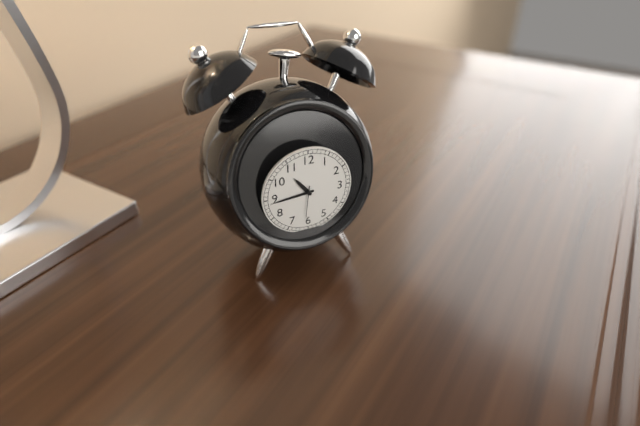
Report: 10:44
